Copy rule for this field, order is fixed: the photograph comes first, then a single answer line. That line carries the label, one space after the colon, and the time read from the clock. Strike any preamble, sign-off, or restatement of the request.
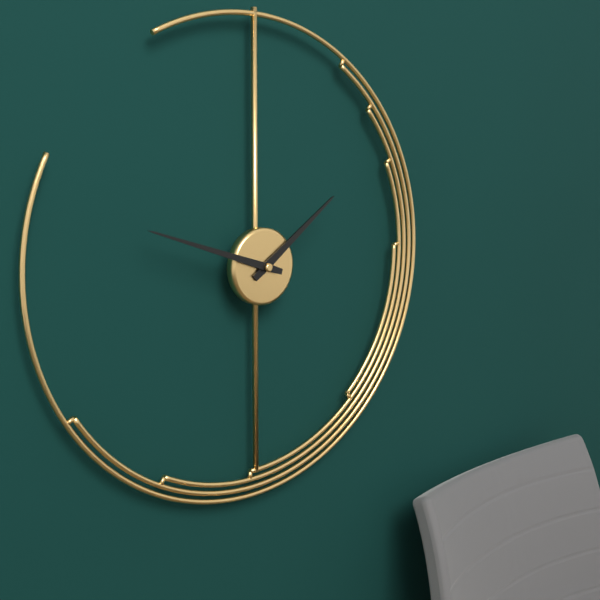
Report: 1:48
